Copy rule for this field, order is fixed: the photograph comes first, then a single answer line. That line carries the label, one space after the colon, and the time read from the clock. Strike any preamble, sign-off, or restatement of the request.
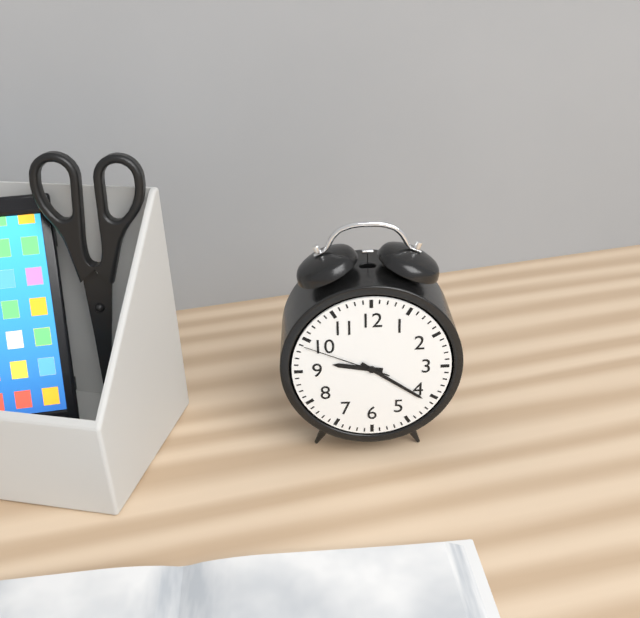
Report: 9:21:49
